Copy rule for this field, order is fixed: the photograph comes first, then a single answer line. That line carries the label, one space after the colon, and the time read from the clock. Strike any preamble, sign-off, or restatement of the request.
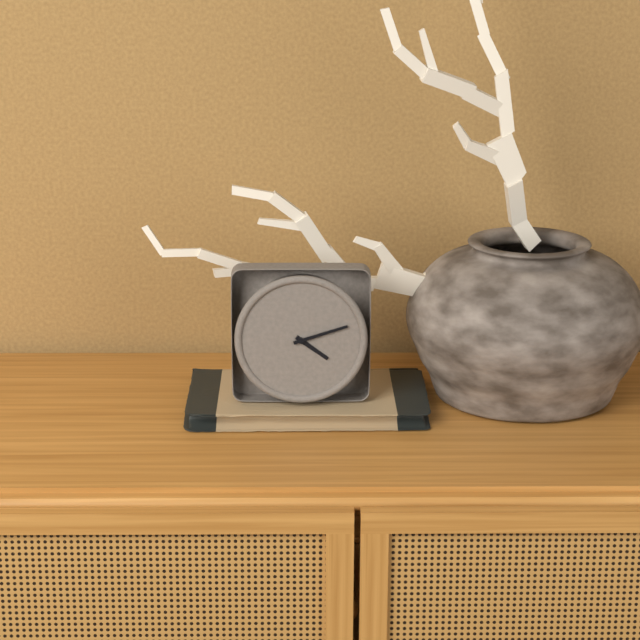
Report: 4:12
